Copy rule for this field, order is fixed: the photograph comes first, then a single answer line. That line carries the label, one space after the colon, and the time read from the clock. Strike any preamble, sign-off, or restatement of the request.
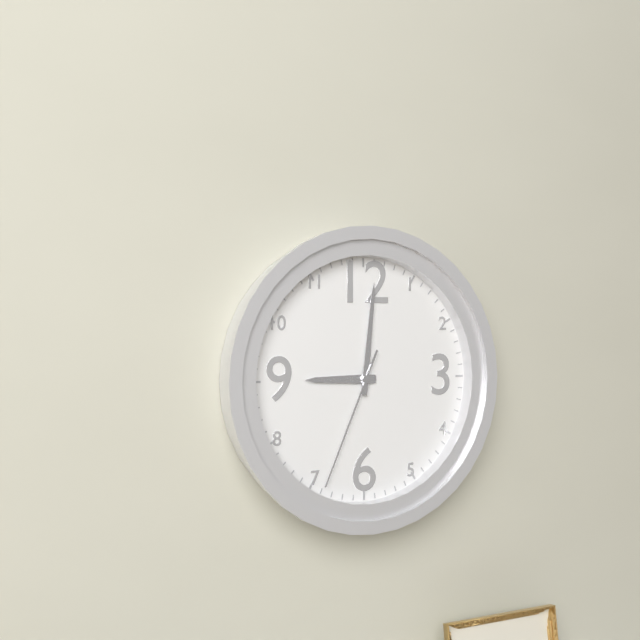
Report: 9:01:34
